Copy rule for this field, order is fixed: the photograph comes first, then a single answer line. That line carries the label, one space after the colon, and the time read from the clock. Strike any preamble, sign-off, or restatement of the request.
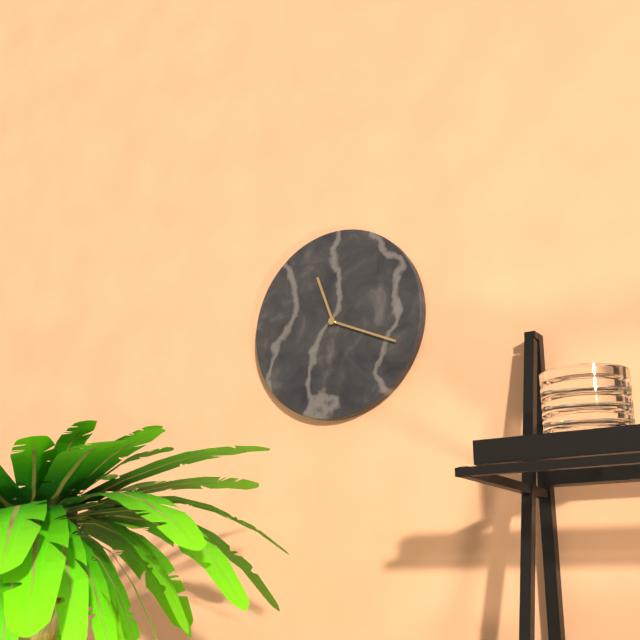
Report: 11:19
